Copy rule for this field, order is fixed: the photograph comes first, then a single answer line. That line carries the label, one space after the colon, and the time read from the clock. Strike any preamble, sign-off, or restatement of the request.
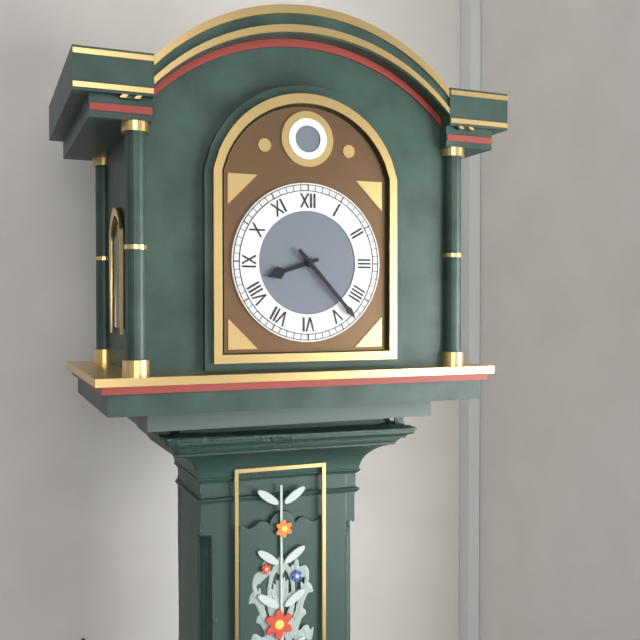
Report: 8:23
